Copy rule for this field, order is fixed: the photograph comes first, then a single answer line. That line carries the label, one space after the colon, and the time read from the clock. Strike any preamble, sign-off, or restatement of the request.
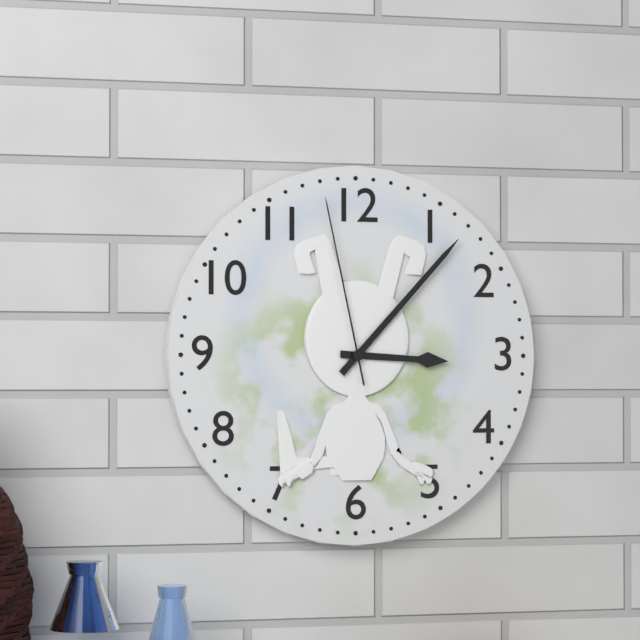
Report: 3:07:58
